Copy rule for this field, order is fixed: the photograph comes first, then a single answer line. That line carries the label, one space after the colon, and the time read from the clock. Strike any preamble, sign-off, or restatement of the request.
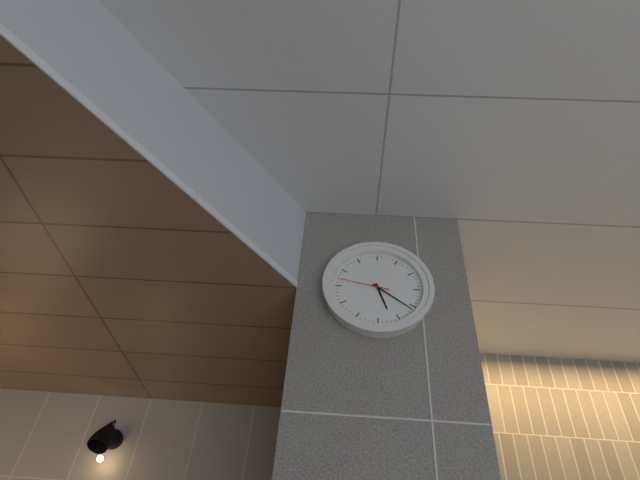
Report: 5:21:47
